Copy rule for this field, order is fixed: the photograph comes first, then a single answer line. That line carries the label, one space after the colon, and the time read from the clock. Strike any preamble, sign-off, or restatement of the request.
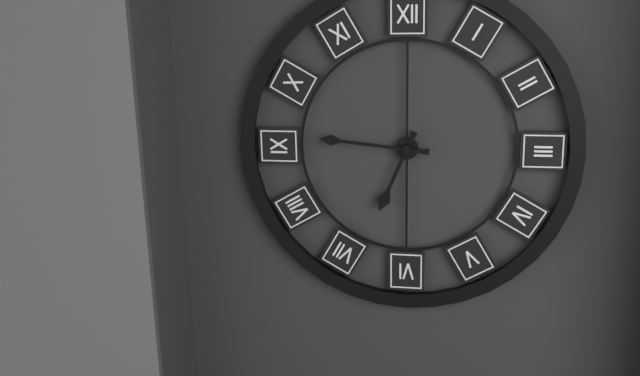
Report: 6:46
